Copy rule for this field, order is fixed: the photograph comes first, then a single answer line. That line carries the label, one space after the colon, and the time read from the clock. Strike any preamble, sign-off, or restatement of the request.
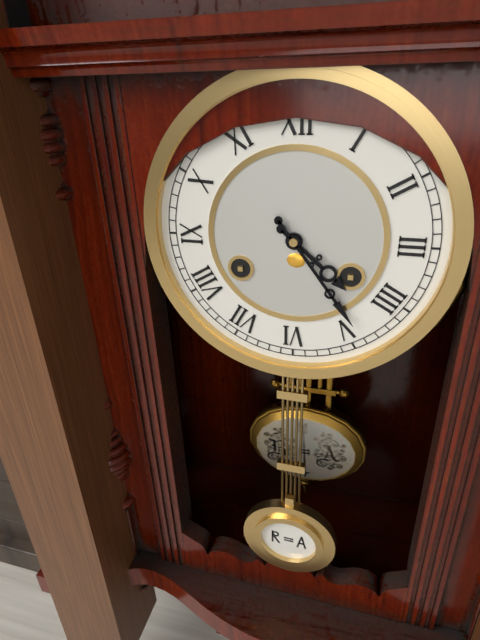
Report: 4:24
